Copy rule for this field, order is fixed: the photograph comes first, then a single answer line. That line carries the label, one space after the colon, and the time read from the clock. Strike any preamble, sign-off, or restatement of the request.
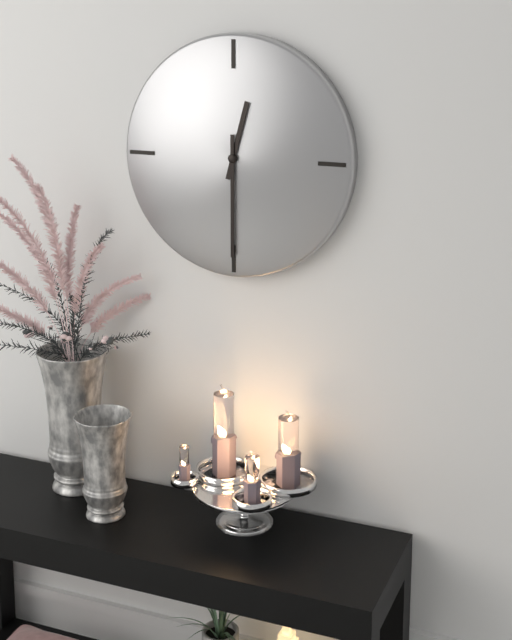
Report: 12:30
